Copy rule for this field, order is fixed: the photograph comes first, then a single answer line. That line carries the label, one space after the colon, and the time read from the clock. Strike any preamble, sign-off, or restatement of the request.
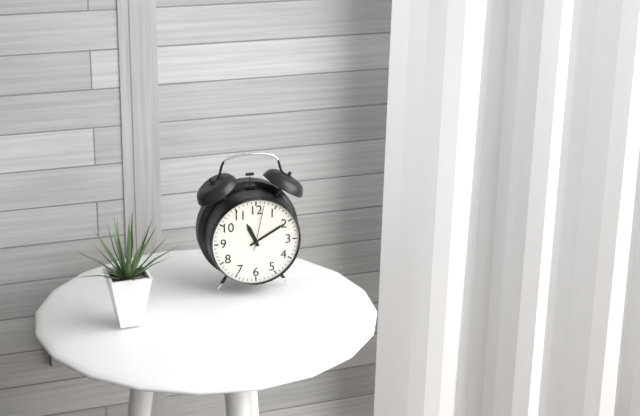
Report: 11:10
